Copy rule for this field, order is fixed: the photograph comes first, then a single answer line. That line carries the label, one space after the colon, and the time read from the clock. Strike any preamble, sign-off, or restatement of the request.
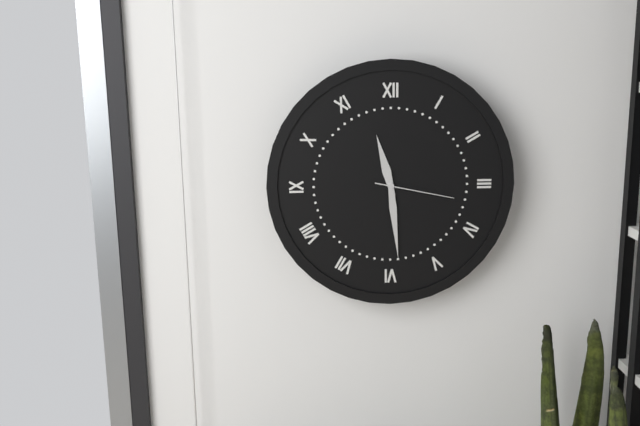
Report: 11:29:17
